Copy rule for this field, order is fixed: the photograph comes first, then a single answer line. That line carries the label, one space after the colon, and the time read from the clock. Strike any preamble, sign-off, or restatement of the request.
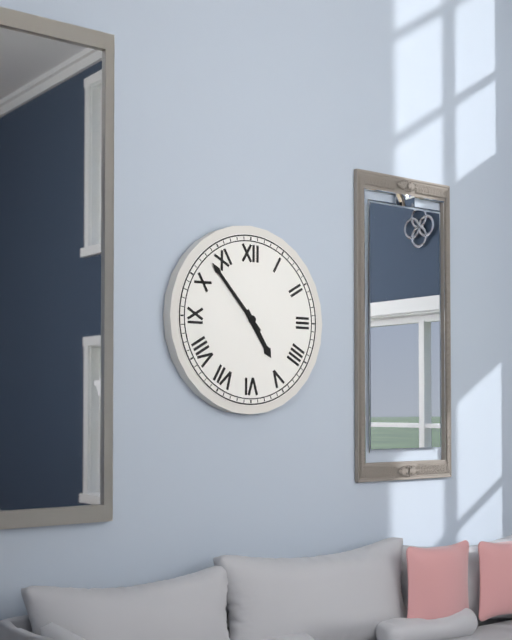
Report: 4:53
